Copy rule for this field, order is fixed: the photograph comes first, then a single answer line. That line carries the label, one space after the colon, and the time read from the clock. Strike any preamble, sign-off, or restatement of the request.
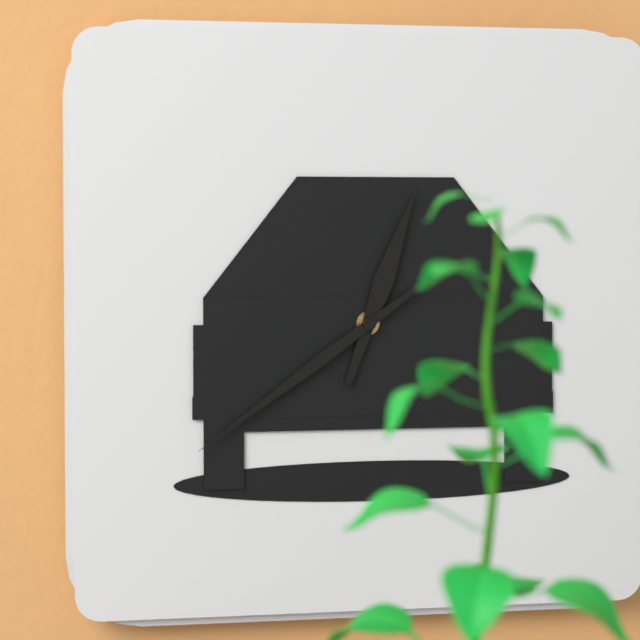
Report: 12:39
